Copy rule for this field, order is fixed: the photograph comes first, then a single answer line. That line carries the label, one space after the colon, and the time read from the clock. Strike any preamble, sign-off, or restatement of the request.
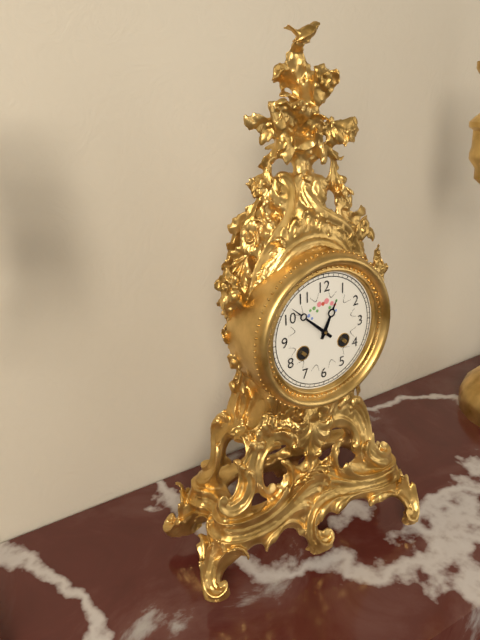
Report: 12:52
